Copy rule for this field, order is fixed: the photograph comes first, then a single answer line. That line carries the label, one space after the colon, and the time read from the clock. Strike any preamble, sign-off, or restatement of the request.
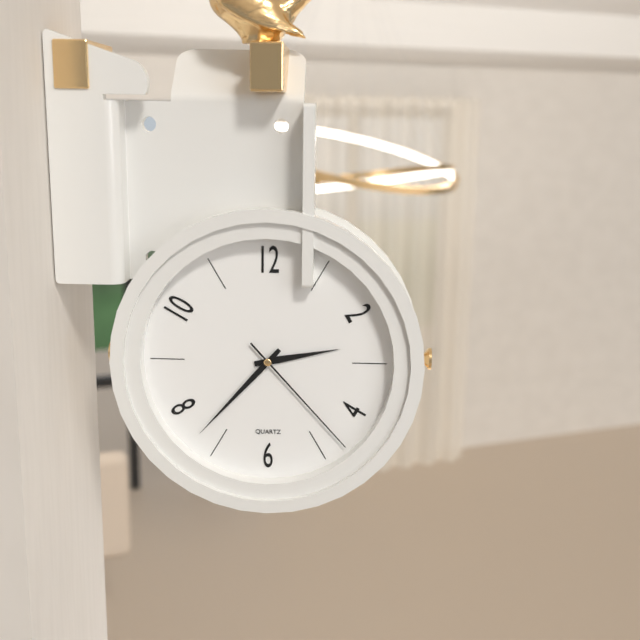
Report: 2:37:23
